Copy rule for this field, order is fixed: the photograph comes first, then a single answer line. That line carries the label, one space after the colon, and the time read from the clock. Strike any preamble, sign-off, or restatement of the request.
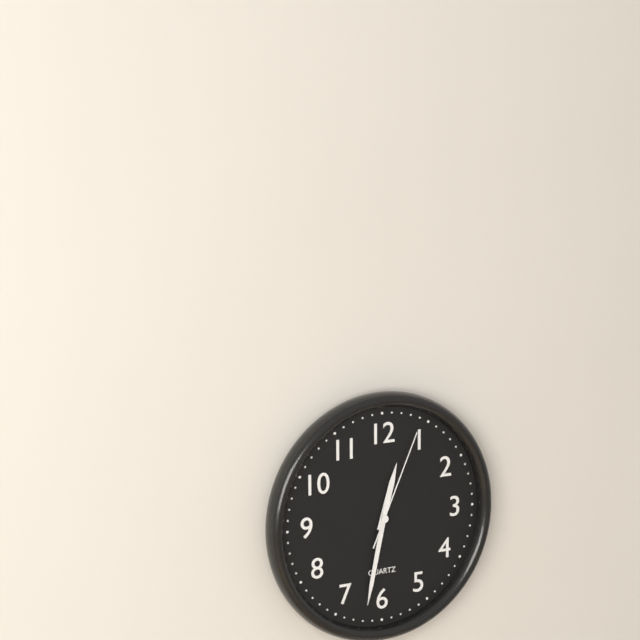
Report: 12:32:04
